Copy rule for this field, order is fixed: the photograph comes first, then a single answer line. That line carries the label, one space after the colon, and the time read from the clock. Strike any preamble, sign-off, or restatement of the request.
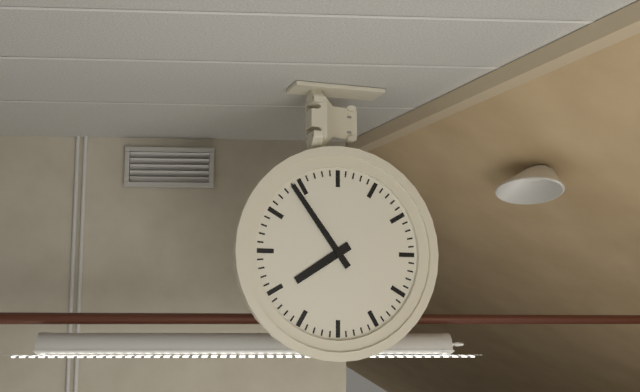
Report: 7:54
